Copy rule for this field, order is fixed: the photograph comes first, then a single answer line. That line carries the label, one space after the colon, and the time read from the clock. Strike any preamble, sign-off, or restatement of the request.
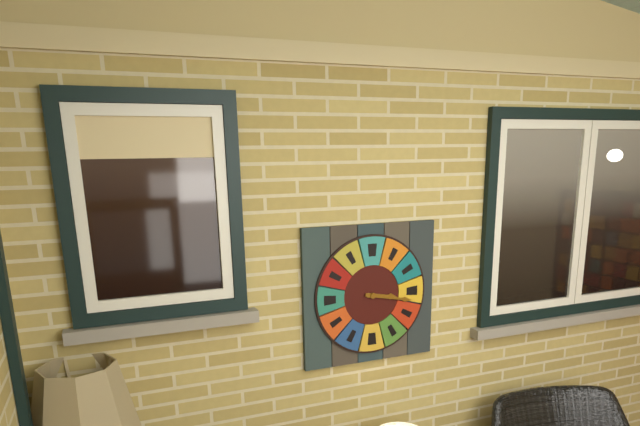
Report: 3:17
